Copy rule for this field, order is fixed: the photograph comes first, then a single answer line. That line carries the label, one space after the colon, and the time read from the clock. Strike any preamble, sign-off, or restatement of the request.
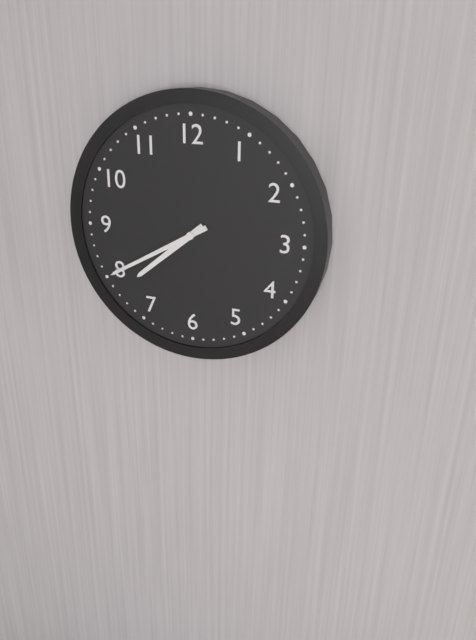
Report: 7:40
